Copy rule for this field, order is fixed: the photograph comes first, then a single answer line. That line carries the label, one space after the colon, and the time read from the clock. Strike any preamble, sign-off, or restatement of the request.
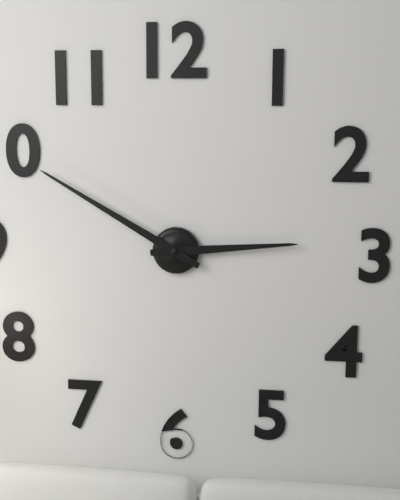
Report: 2:50
